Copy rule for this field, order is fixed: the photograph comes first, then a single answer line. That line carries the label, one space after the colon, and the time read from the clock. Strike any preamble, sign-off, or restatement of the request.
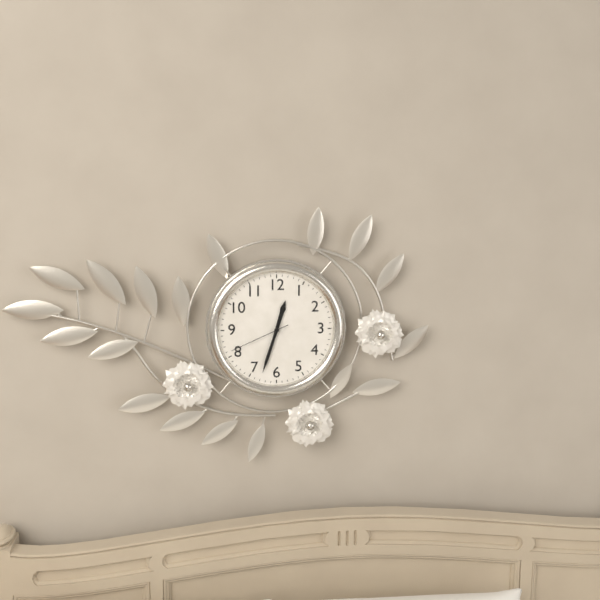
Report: 12:33:41
